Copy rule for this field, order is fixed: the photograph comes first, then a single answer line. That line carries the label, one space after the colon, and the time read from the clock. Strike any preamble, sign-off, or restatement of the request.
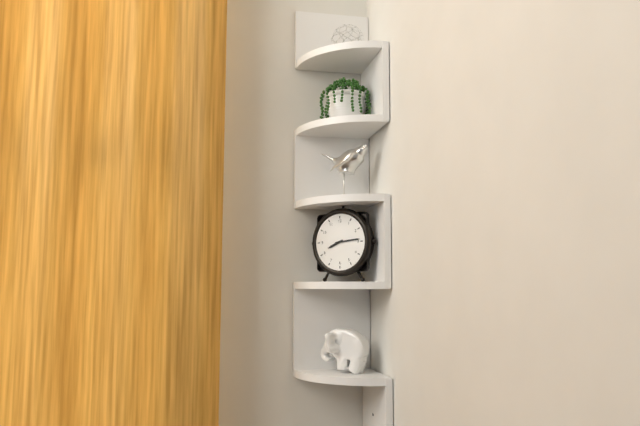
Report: 8:14
